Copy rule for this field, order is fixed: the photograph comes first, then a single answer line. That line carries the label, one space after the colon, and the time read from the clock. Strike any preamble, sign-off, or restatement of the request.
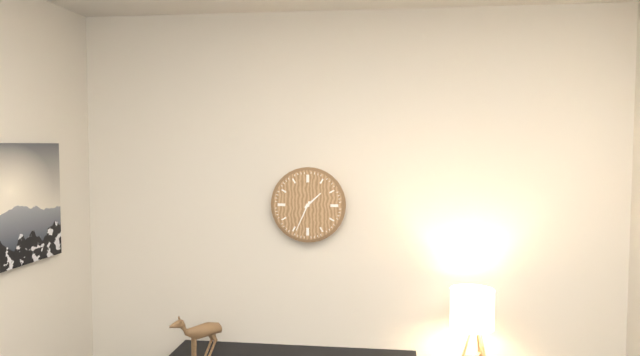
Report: 1:34
